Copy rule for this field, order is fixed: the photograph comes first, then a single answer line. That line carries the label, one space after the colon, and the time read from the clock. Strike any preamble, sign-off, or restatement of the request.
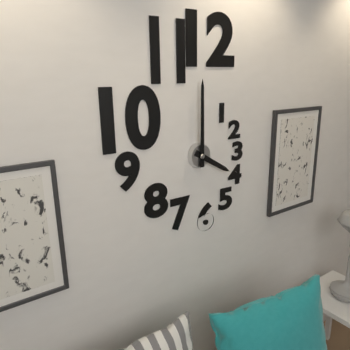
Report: 4:00
